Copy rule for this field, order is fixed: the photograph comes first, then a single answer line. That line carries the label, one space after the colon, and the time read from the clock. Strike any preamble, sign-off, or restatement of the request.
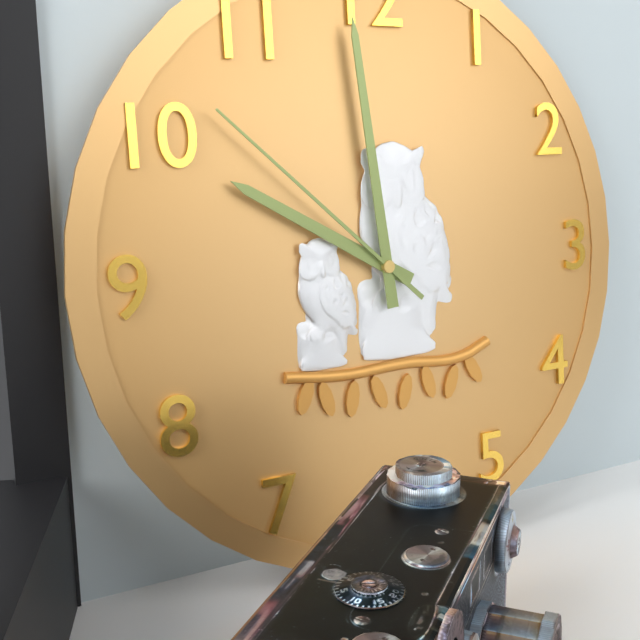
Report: 9:59:52
